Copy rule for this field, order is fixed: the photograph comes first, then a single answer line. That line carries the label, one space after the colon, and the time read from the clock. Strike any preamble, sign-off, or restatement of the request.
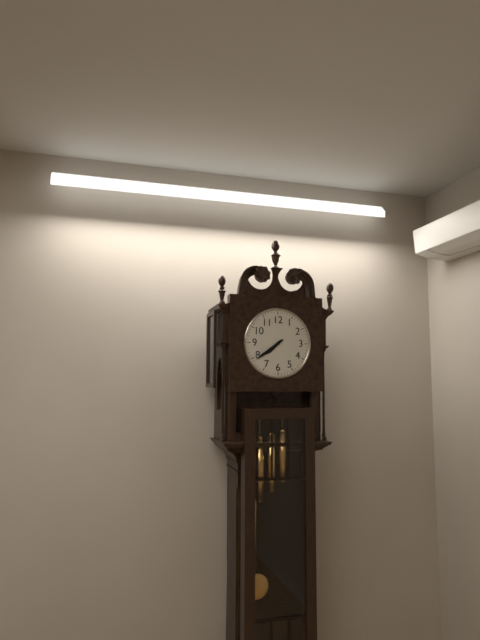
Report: 7:39
